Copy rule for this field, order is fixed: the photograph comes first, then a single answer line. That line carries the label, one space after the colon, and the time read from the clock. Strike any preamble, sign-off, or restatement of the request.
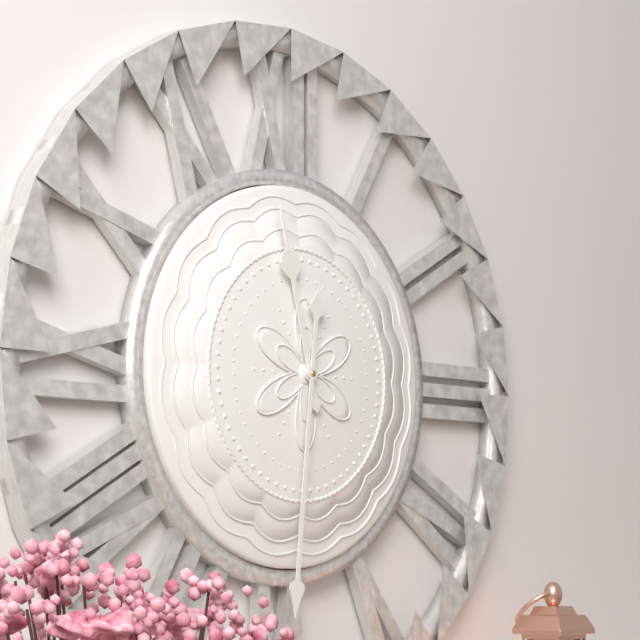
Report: 11:31
